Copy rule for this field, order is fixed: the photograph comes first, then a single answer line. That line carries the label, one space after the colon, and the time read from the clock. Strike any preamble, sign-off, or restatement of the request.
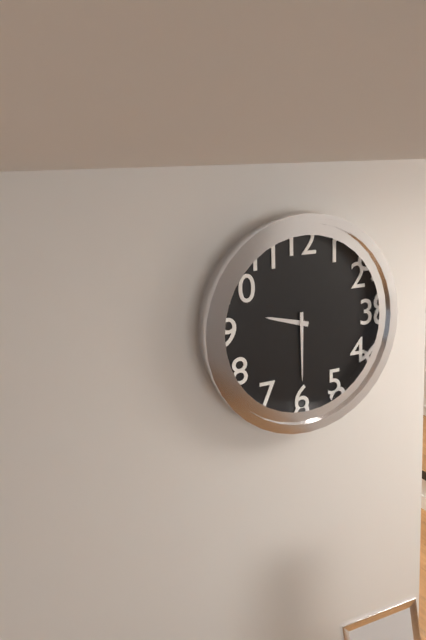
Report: 9:30
